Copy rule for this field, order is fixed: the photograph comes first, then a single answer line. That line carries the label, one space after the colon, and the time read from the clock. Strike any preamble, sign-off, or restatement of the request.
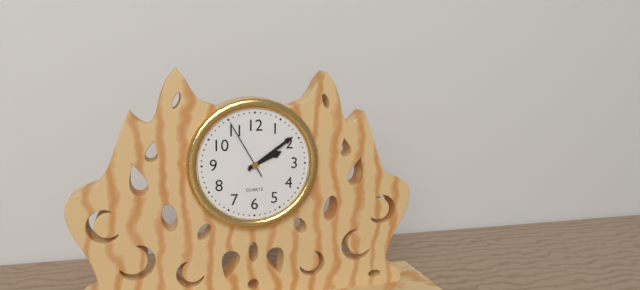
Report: 2:09:55
